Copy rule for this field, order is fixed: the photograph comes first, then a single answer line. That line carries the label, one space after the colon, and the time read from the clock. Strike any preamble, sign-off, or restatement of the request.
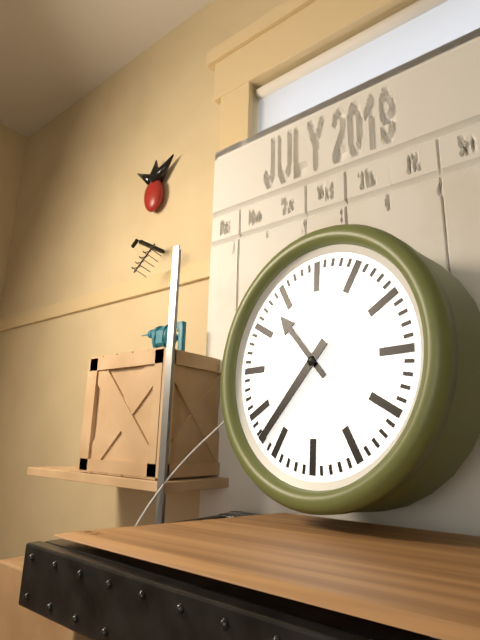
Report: 10:37
